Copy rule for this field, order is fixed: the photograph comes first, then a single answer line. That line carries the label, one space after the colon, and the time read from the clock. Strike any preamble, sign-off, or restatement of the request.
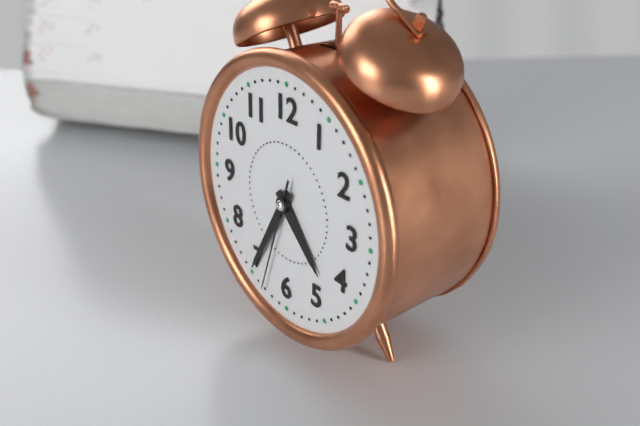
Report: 4:35:33
